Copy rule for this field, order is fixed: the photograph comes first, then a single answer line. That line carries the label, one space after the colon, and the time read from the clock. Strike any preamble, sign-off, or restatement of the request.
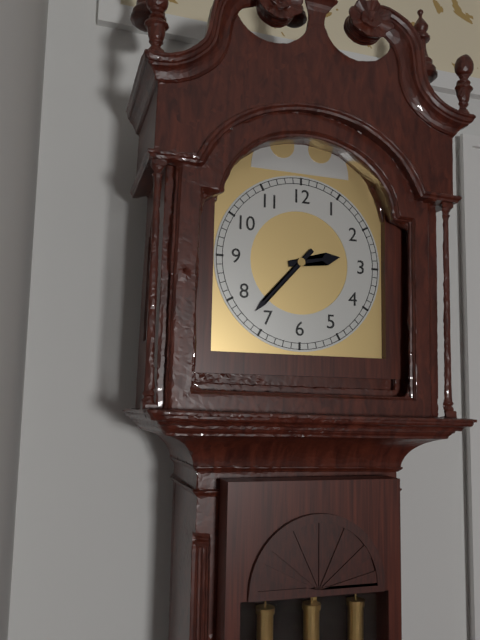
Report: 2:37
